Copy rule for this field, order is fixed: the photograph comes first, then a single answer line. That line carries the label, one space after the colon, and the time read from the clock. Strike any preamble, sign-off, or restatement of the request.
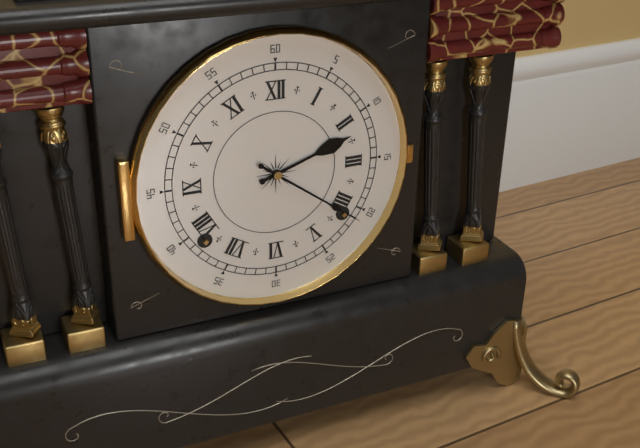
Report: 2:21
